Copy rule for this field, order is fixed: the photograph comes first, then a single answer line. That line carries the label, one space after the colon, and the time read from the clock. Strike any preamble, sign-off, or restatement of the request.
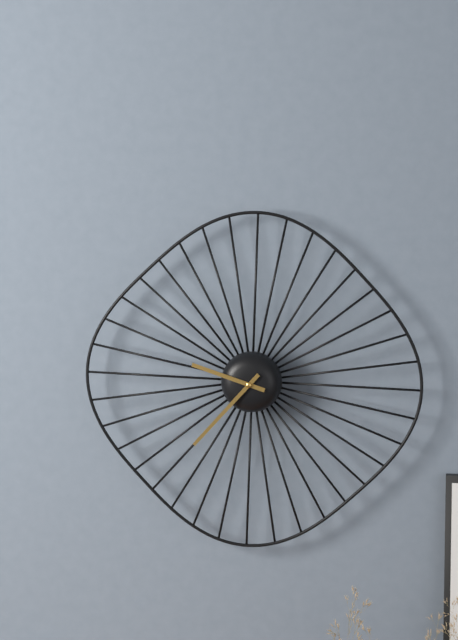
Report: 9:37
